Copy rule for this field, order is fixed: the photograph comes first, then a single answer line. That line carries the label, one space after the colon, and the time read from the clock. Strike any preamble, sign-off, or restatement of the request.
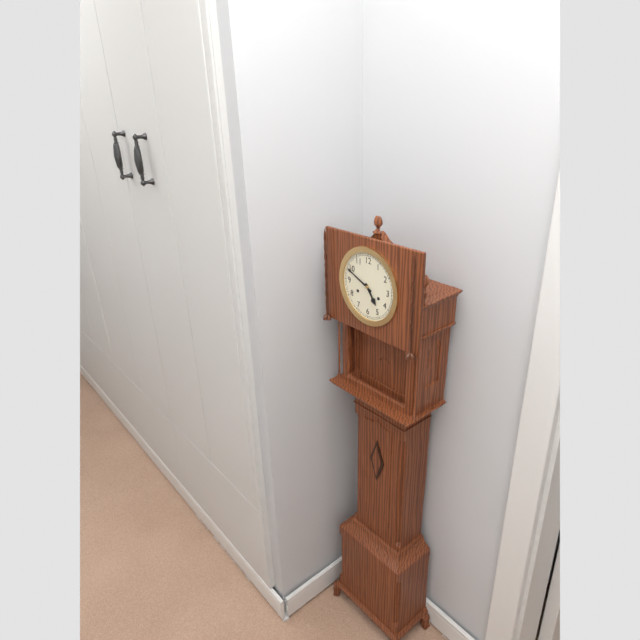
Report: 4:49
